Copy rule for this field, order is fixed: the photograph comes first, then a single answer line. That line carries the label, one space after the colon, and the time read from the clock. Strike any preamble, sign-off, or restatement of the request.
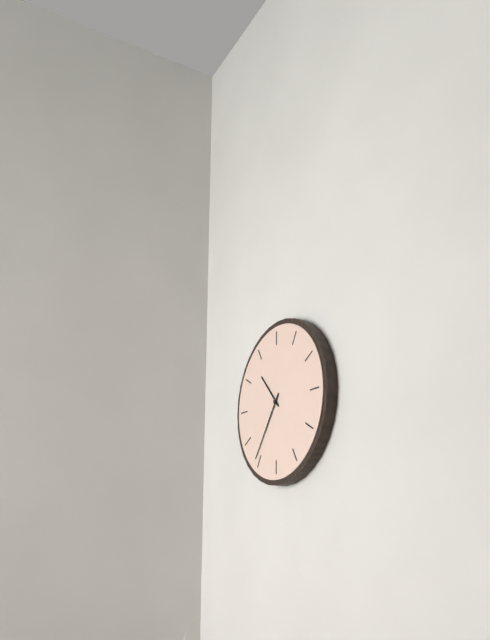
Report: 10:36
